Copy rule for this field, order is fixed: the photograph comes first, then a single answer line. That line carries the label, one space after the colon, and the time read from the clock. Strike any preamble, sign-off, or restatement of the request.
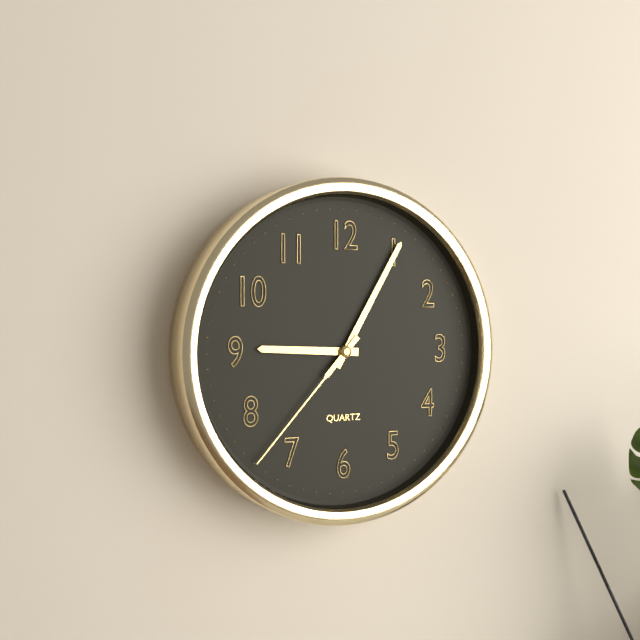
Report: 9:05:37
